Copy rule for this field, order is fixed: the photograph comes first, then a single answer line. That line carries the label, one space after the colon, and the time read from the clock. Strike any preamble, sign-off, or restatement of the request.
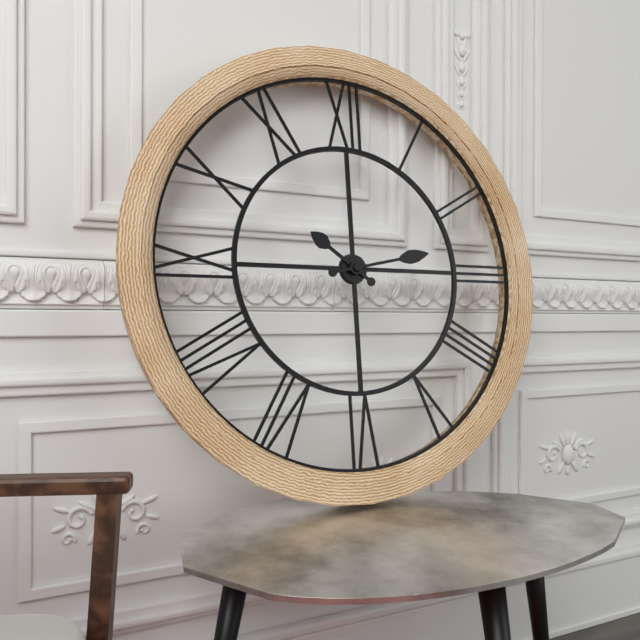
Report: 10:13
